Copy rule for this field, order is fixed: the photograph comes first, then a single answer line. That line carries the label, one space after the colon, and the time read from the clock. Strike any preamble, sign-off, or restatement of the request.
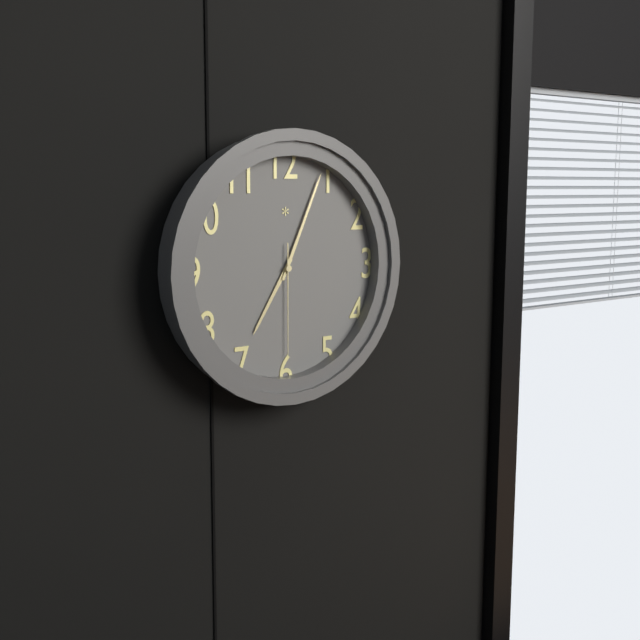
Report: 7:04:30
